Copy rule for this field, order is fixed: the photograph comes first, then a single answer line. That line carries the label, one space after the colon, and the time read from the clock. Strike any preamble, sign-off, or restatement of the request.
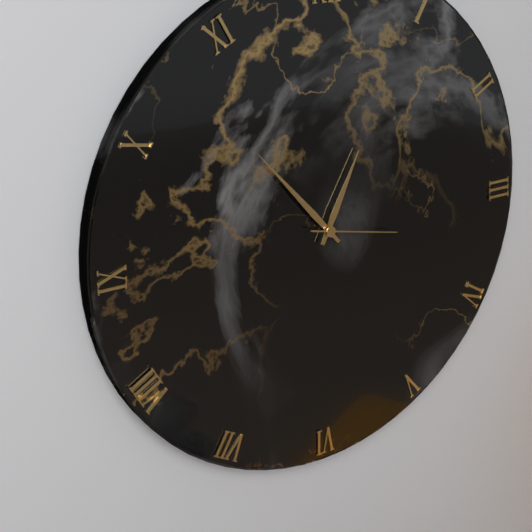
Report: 12:53:17
